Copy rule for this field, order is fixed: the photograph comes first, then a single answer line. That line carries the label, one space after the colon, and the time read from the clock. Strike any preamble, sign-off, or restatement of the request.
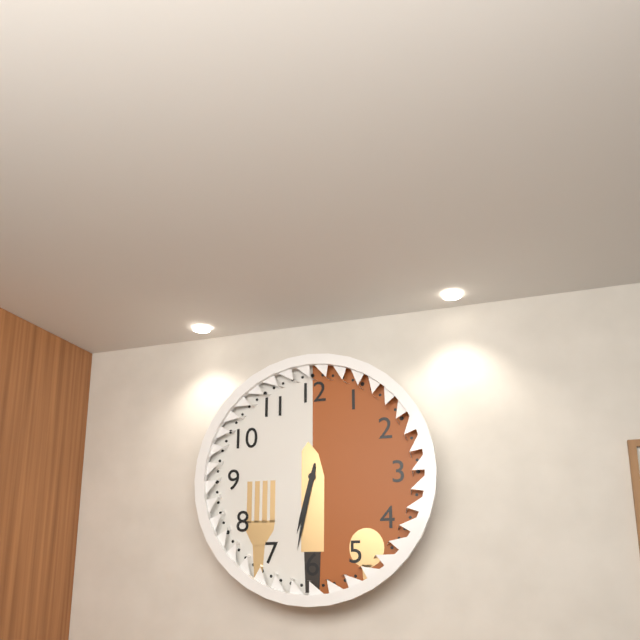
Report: 6:32
